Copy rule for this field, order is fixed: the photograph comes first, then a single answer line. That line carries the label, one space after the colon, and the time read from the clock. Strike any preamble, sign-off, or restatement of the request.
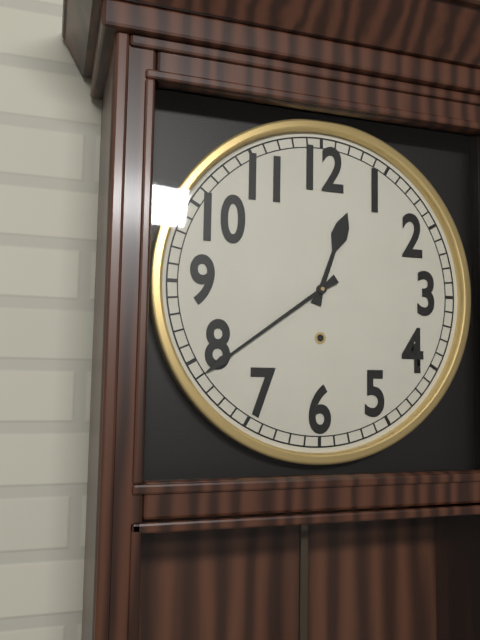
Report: 12:39
